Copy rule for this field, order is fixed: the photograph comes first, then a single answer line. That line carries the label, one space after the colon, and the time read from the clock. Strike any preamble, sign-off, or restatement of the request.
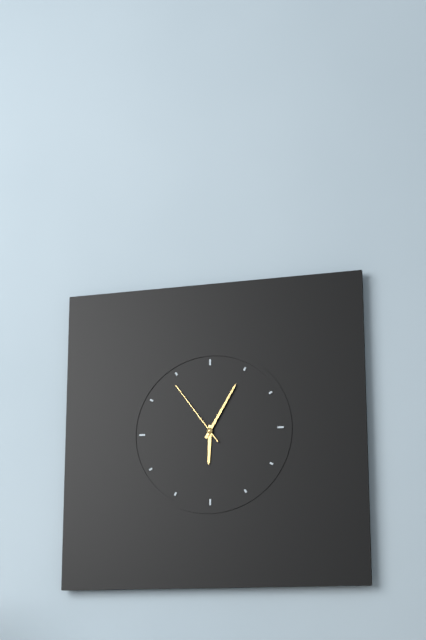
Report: 6:05:54
